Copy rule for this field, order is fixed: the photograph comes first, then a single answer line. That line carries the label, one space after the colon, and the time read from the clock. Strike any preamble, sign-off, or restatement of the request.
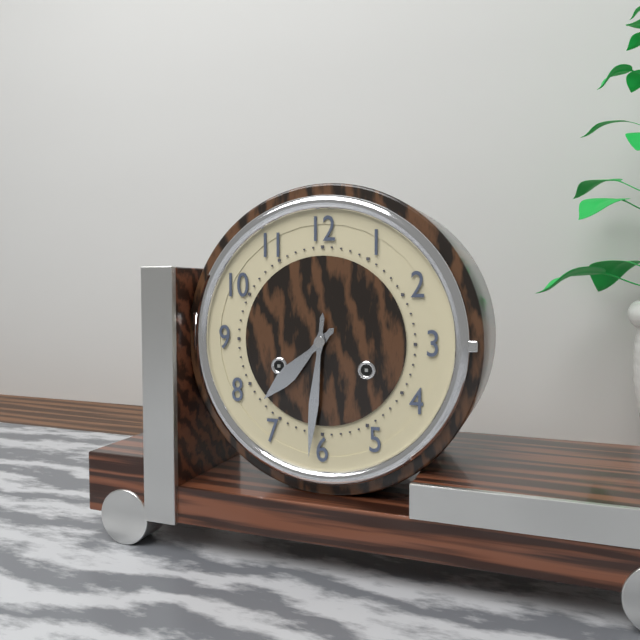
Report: 7:31
